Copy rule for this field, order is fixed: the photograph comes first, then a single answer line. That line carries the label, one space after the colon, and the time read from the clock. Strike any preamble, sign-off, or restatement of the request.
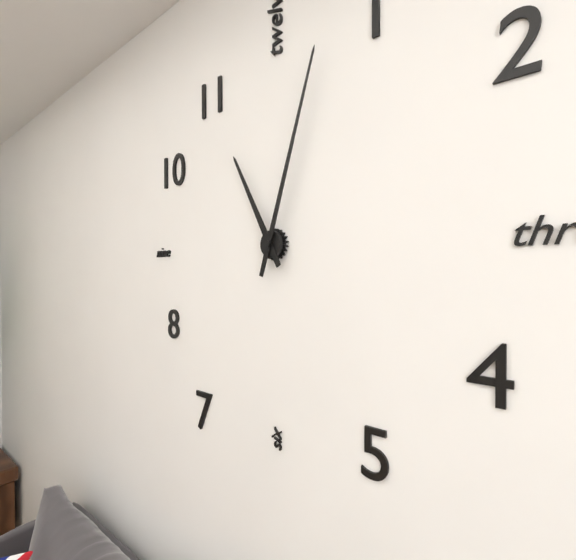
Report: 11:03
